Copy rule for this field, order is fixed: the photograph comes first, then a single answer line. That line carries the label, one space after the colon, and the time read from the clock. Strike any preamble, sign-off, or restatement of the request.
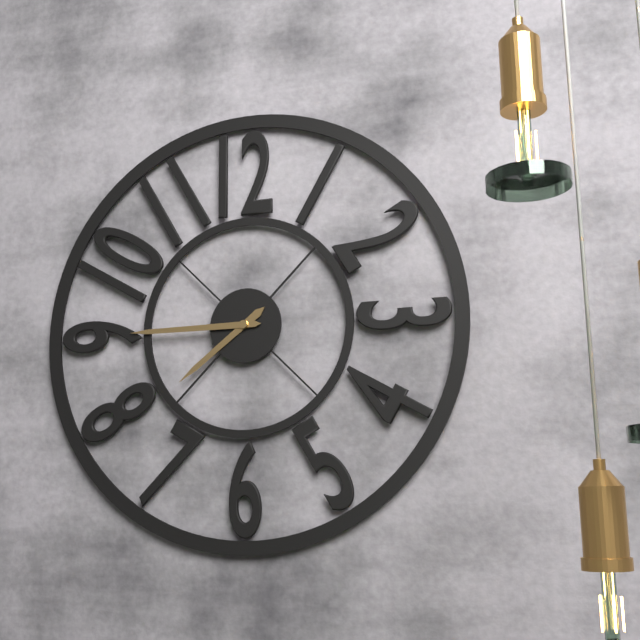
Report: 7:45
